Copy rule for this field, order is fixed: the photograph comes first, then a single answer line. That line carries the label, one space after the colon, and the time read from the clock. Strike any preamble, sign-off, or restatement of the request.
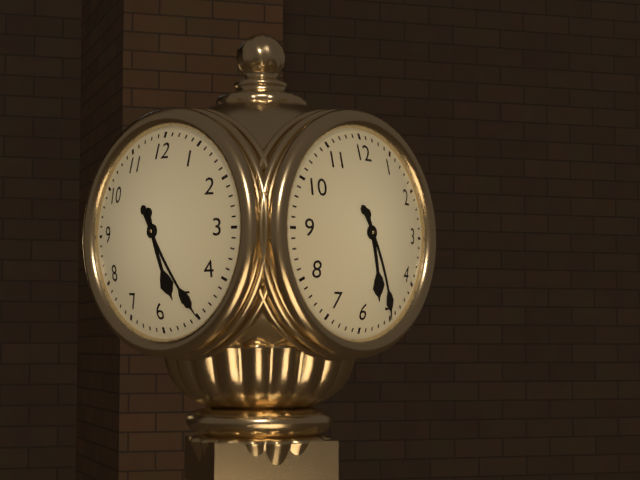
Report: 5:25
